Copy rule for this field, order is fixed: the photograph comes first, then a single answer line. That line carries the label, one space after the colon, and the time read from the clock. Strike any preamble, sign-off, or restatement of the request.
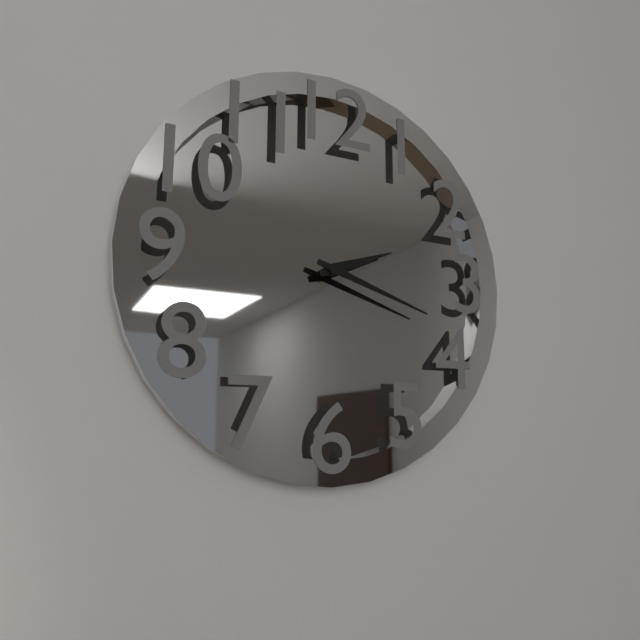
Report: 2:18
